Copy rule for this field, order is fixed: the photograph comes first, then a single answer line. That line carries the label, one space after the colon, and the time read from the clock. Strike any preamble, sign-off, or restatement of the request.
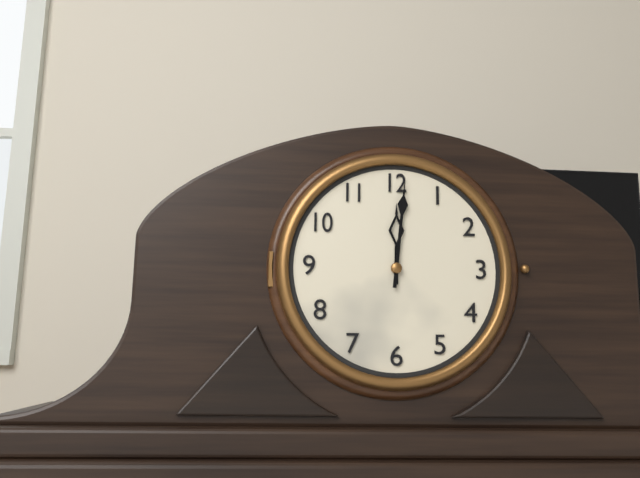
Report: 12:01
